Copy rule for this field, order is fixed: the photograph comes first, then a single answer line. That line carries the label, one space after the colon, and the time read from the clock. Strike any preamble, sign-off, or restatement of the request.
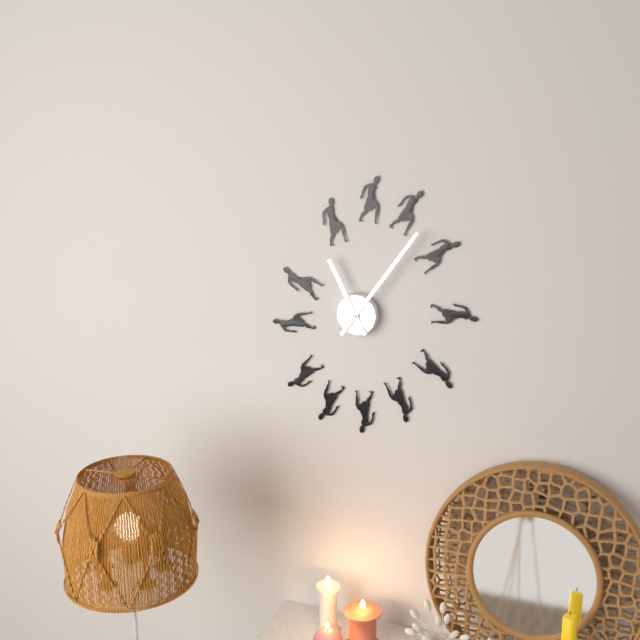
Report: 11:06
